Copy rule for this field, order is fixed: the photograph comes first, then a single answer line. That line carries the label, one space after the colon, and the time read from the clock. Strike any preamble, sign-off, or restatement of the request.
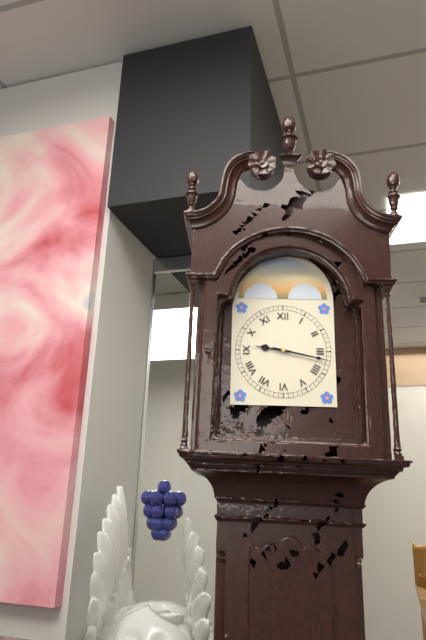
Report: 9:17
